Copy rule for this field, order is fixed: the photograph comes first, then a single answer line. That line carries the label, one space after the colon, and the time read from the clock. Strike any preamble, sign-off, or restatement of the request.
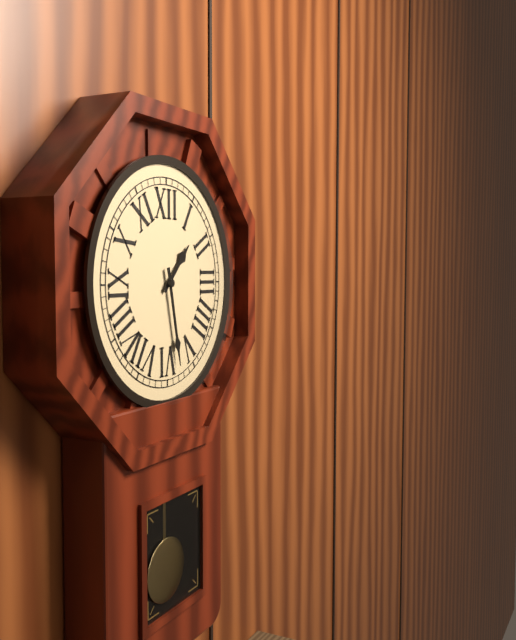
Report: 1:28
